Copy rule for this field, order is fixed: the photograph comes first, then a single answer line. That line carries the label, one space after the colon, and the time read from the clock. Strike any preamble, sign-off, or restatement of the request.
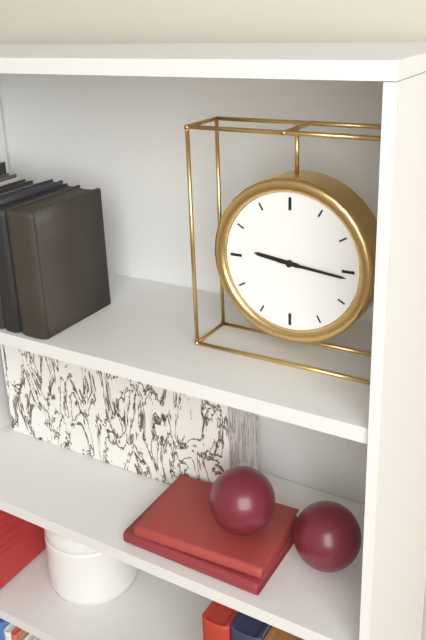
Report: 9:16
